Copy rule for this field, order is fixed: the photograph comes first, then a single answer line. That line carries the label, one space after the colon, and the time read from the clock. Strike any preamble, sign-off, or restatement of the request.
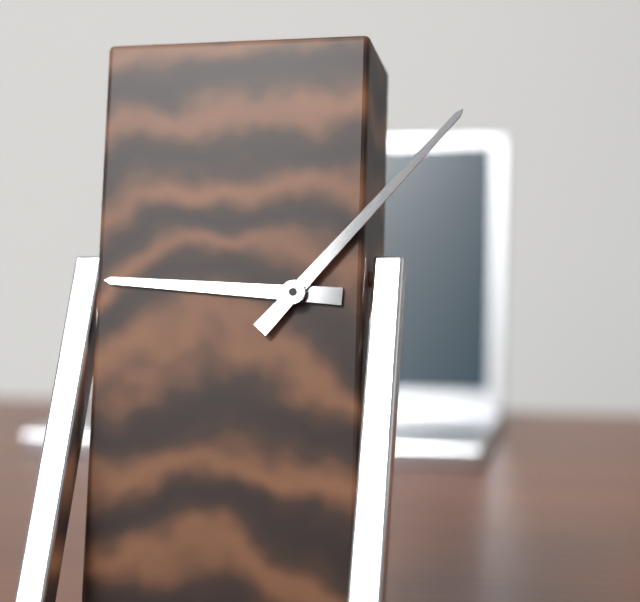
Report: 9:07
